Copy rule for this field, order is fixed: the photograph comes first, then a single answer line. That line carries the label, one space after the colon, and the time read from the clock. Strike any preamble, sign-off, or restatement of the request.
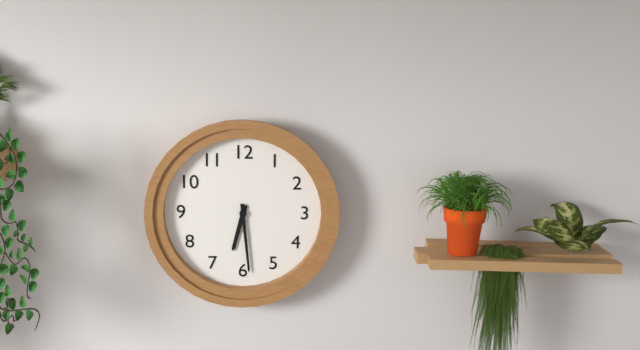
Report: 6:29
